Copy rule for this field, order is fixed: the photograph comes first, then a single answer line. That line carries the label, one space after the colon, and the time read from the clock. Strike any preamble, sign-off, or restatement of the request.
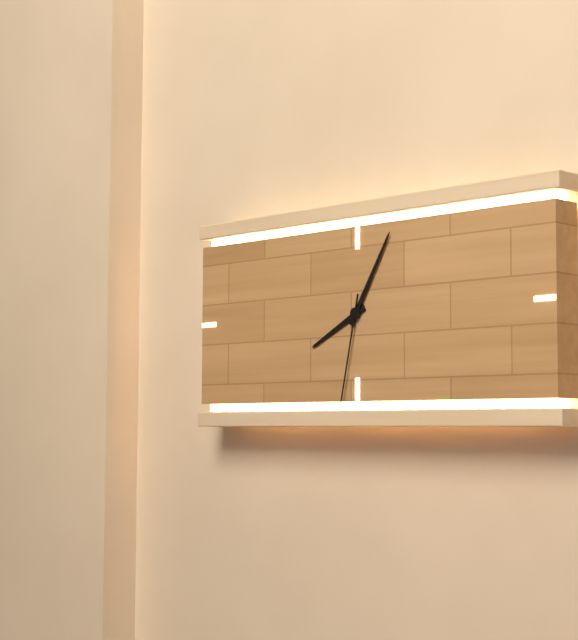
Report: 8:05:32
